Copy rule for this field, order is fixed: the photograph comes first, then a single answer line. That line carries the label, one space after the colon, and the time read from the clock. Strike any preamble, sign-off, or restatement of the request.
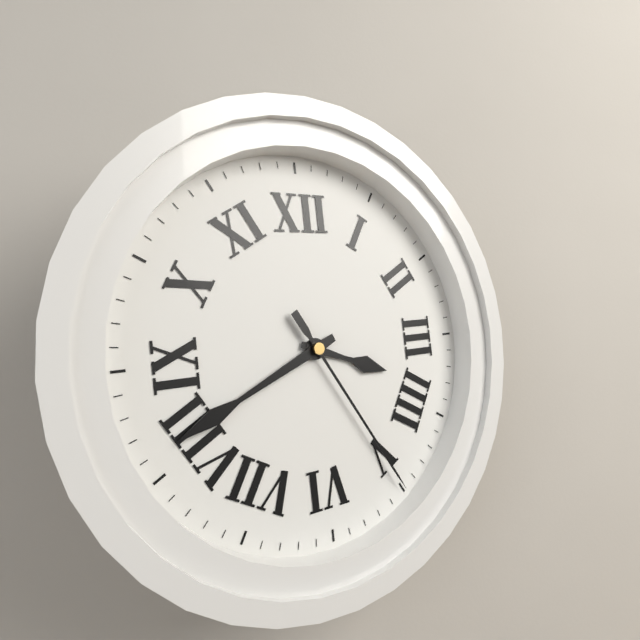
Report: 3:41:25
